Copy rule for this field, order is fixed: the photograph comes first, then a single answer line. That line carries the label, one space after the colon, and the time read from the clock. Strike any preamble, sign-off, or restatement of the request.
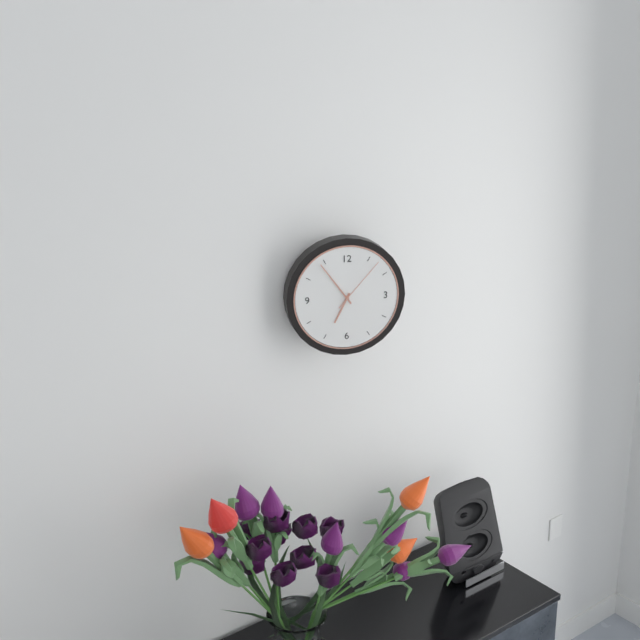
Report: 6:54:07
